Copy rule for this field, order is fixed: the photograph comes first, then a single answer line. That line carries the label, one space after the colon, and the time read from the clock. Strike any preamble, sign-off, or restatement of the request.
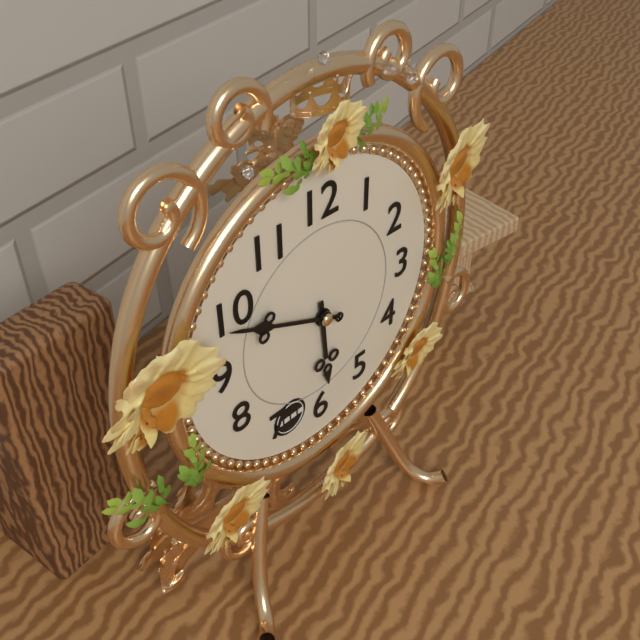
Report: 5:49
